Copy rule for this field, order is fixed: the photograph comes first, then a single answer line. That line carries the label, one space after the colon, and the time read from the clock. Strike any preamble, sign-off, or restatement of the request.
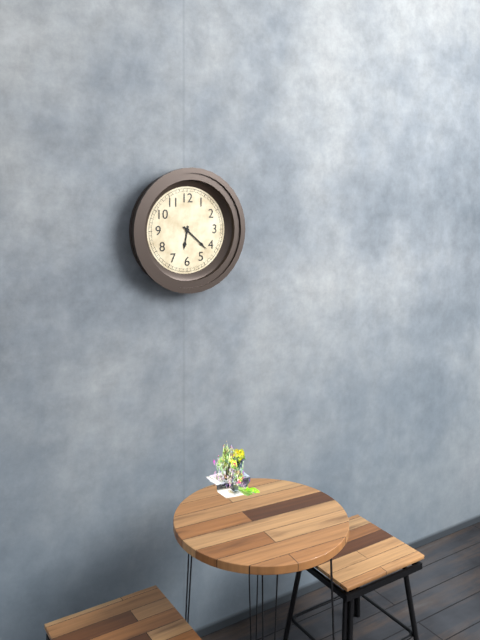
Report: 6:22
